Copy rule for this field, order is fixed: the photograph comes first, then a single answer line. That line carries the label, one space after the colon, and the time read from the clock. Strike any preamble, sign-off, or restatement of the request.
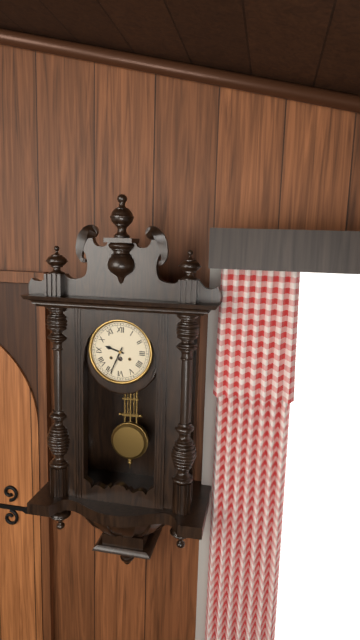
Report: 9:34
